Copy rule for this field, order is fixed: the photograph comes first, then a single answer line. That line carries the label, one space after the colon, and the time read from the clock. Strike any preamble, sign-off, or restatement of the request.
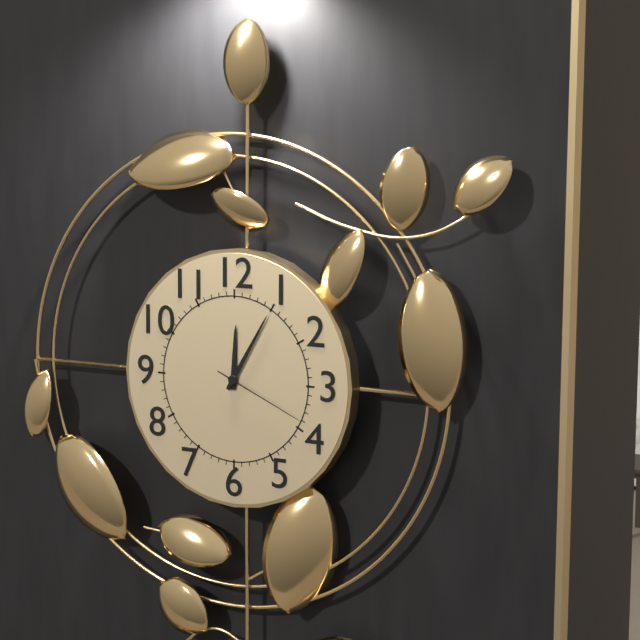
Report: 12:05:19
